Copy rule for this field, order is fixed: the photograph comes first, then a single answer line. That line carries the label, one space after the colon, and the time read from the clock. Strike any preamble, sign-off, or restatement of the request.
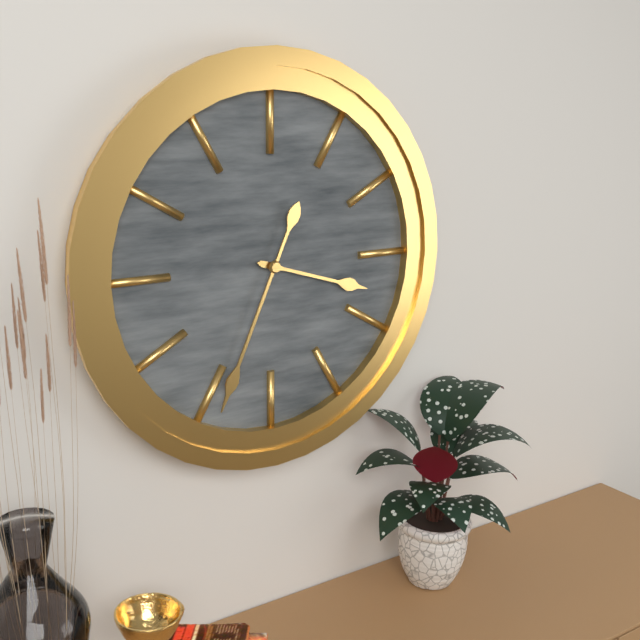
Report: 3:34
